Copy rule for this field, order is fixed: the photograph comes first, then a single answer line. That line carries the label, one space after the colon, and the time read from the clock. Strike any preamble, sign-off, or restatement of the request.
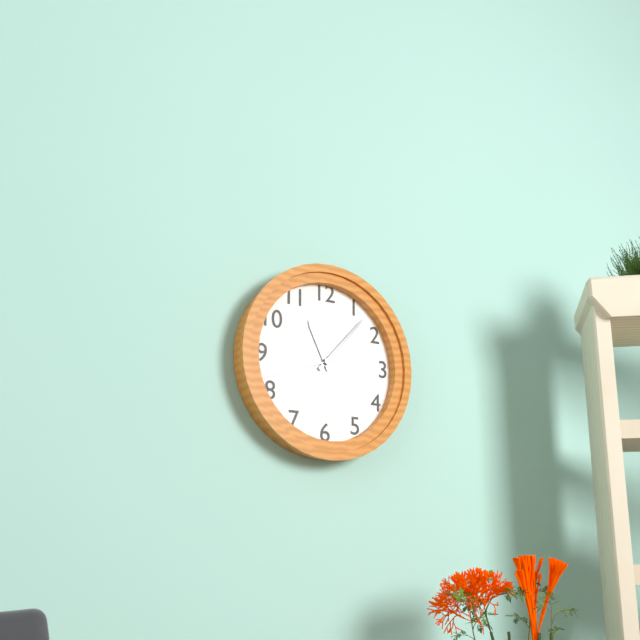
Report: 11:07:42
